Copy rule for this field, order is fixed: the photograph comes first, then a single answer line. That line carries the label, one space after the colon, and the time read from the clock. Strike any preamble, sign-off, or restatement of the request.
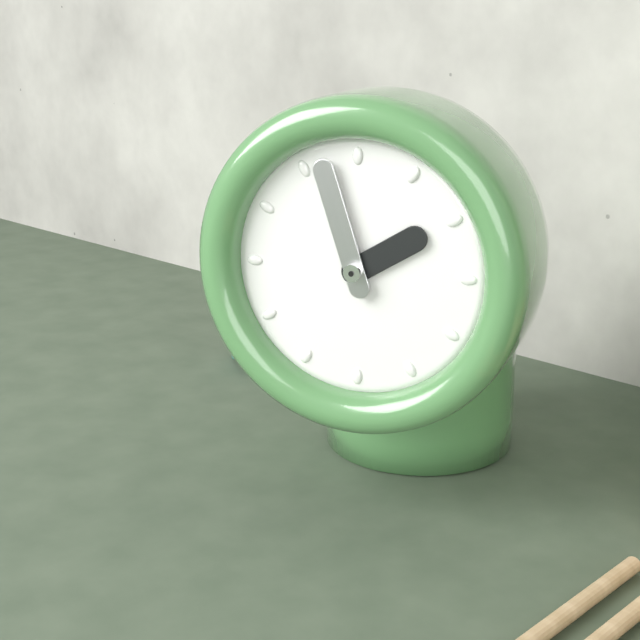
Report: 1:57
